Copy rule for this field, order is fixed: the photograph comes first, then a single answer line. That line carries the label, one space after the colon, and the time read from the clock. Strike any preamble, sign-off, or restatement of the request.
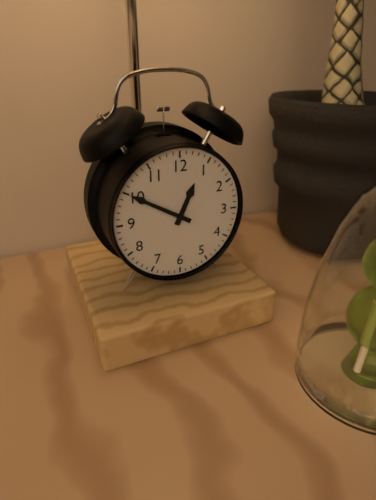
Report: 12:50
